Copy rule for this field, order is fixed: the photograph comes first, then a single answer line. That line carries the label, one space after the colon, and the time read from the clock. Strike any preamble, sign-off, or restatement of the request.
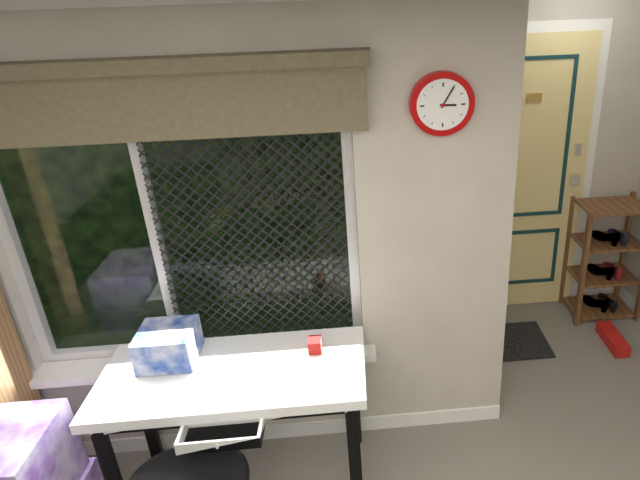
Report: 3:05
